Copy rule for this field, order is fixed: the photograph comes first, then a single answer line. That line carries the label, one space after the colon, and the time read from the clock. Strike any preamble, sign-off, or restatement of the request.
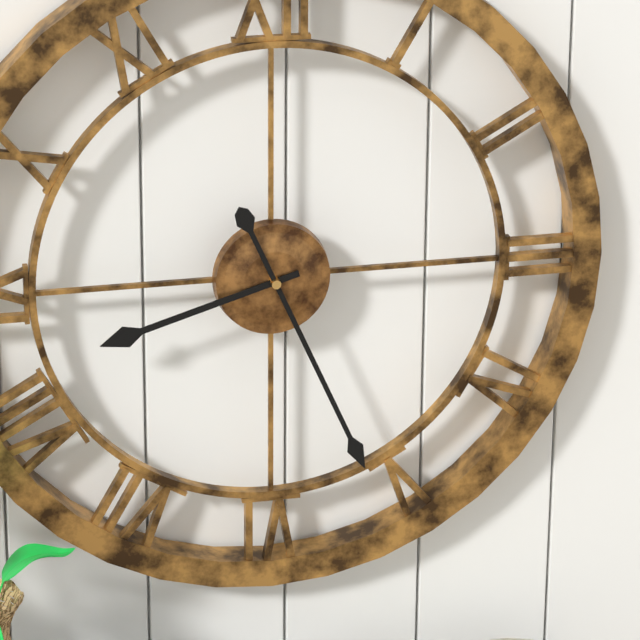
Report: 8:26
